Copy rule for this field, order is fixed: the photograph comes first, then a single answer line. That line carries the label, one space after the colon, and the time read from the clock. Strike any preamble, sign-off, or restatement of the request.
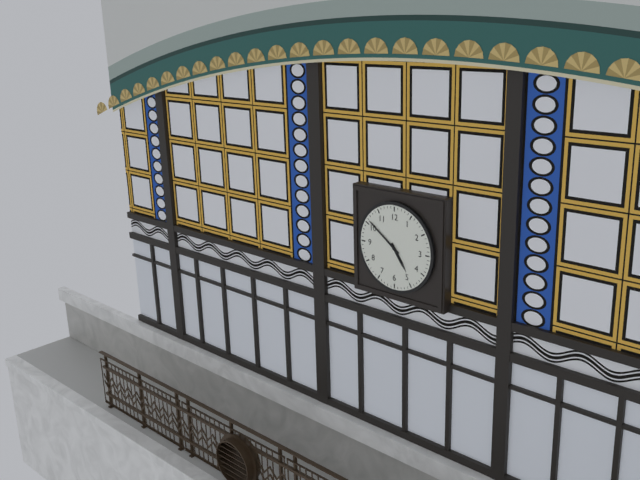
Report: 4:51
